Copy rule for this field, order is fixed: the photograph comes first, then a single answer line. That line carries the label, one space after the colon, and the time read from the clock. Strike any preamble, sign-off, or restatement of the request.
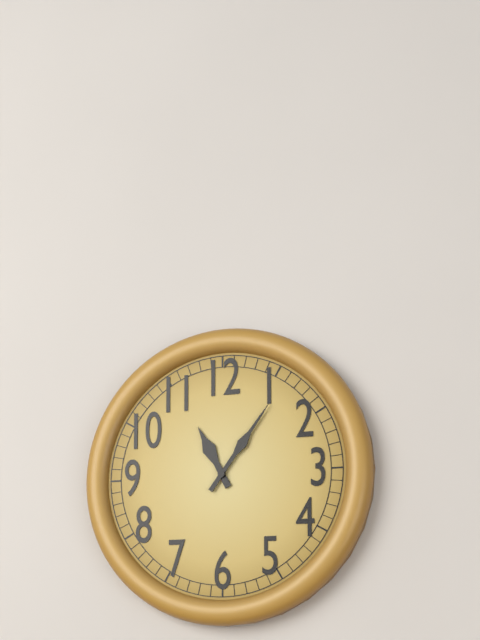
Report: 11:06
